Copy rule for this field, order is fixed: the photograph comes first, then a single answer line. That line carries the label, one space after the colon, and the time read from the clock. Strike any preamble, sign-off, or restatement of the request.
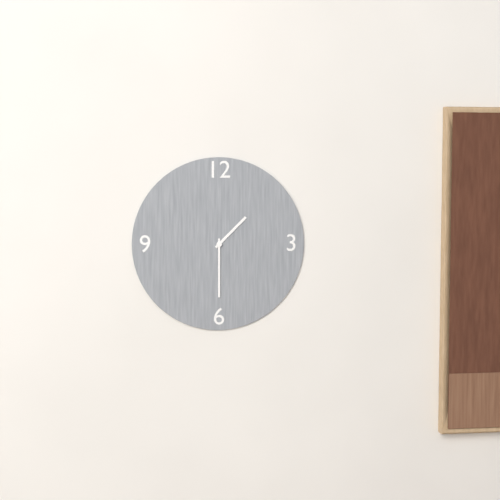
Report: 1:30
